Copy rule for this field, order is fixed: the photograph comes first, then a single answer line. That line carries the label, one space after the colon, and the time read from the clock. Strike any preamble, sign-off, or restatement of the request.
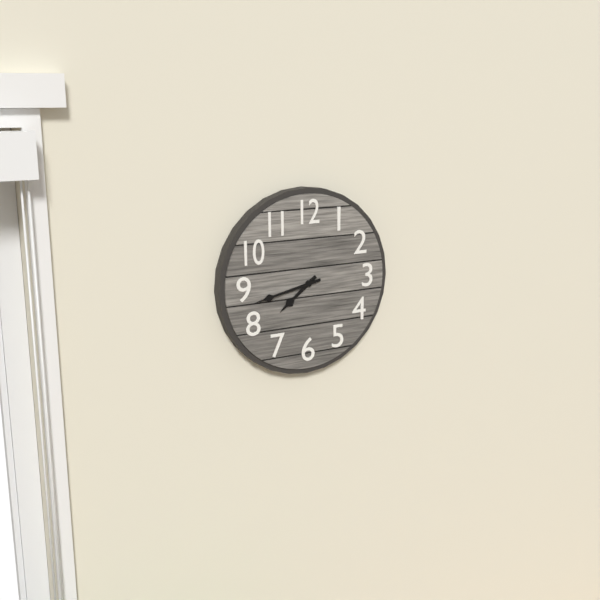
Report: 7:43
